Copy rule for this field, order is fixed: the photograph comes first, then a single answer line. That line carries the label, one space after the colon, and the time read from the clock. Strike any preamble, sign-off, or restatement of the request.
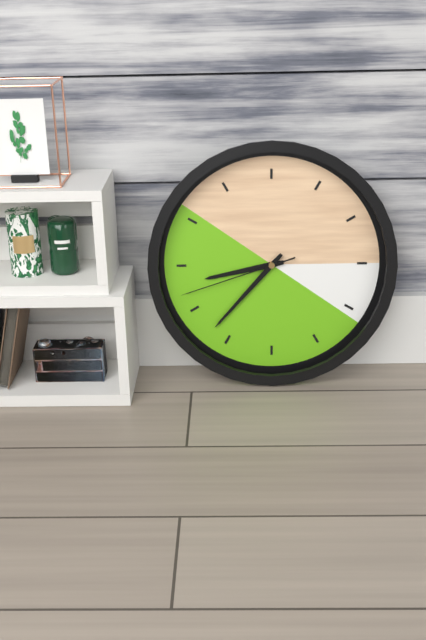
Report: 8:37:42
